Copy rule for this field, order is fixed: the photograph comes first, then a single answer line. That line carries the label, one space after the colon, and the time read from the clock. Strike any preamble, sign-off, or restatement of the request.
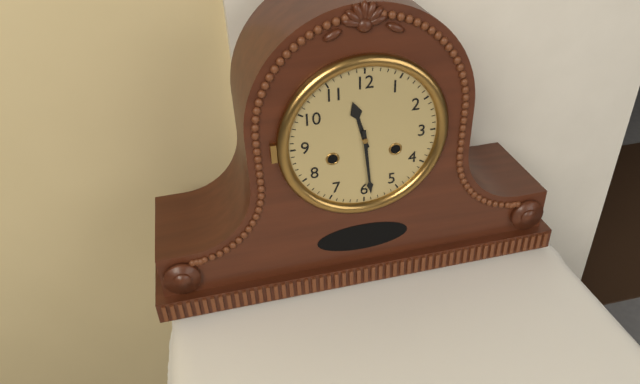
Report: 11:29
